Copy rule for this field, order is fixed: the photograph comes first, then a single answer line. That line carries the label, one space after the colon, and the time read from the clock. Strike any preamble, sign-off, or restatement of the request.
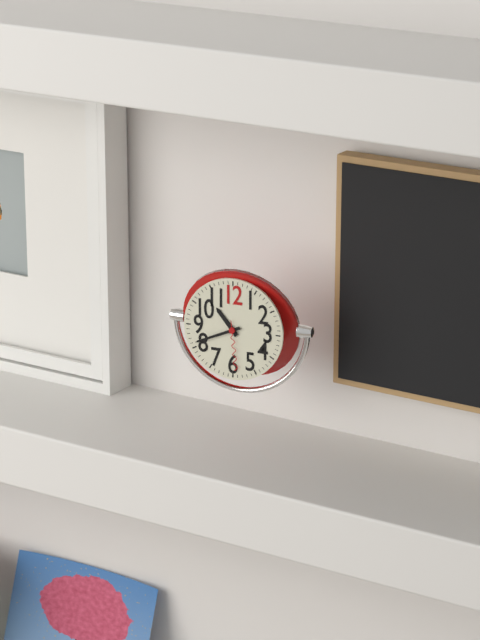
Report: 10:41:29
